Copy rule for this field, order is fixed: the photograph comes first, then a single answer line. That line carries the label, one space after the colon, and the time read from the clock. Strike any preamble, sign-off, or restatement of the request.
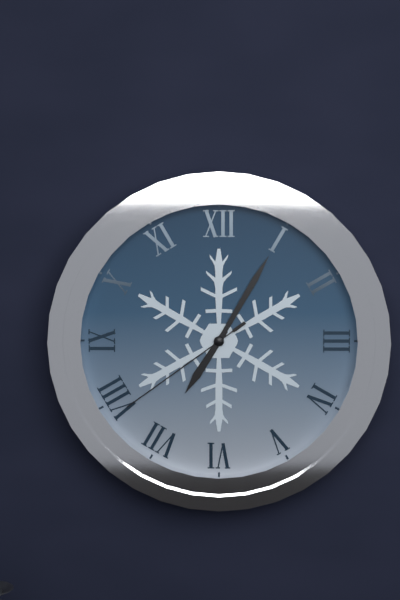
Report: 7:05:39
